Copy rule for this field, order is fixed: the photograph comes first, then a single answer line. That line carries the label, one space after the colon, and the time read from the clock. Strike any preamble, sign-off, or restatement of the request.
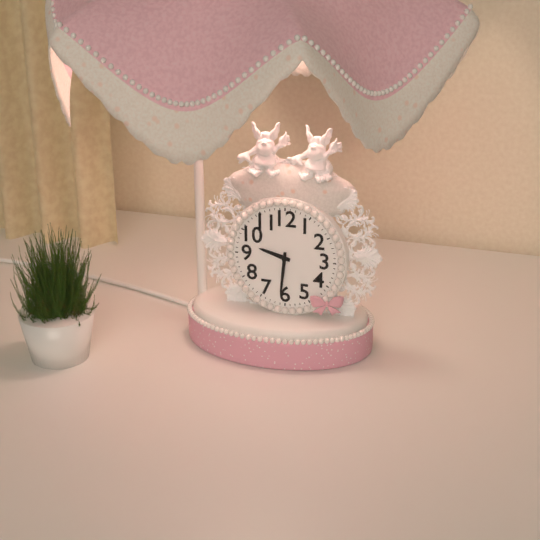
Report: 9:31
